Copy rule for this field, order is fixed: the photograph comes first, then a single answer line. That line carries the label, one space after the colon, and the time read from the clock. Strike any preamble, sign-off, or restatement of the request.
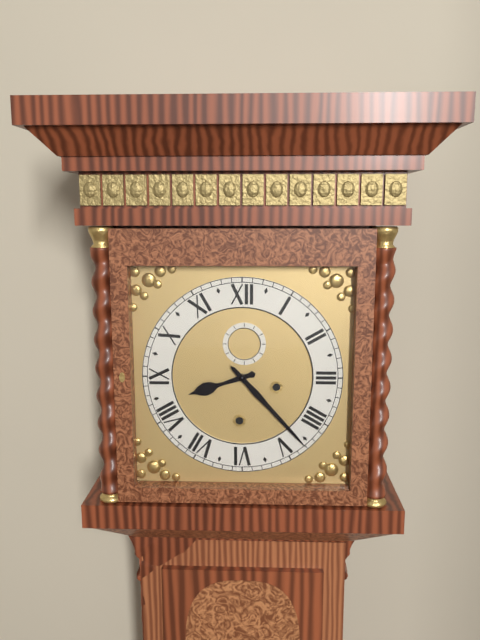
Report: 8:23
